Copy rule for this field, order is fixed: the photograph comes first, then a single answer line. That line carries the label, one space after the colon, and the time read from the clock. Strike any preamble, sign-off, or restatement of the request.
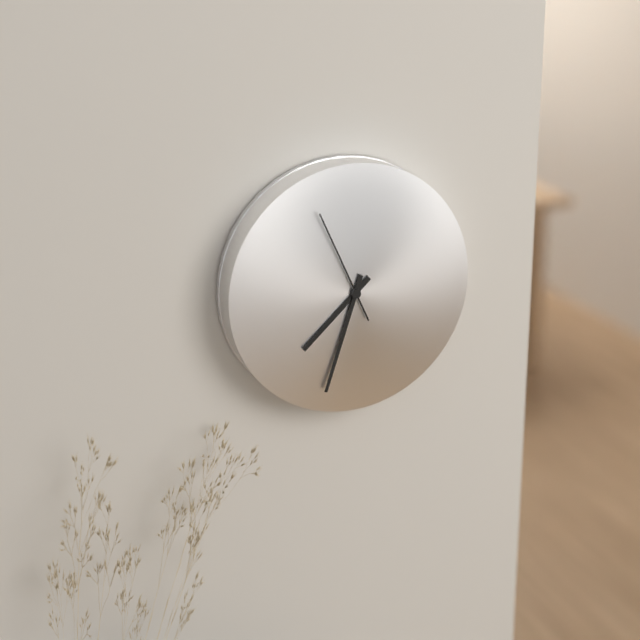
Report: 7:33:56
